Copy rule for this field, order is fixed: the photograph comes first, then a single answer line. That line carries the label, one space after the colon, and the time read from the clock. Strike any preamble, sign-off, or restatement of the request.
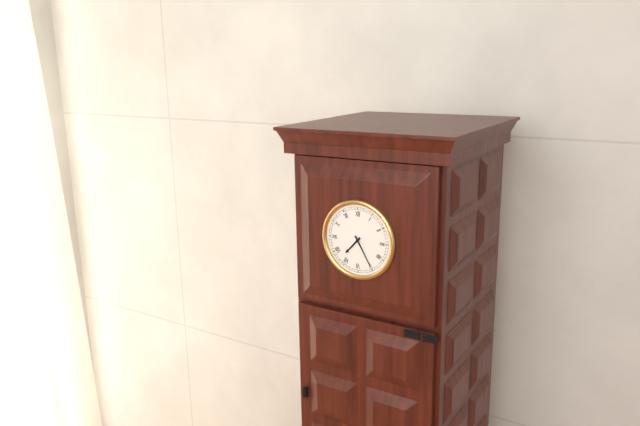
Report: 7:25
